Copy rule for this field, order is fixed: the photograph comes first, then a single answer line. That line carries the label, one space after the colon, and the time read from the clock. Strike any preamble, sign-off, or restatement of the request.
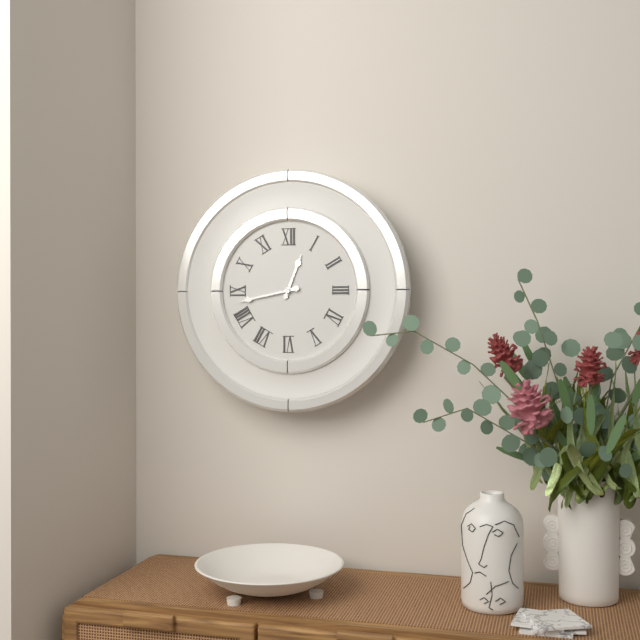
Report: 12:43
